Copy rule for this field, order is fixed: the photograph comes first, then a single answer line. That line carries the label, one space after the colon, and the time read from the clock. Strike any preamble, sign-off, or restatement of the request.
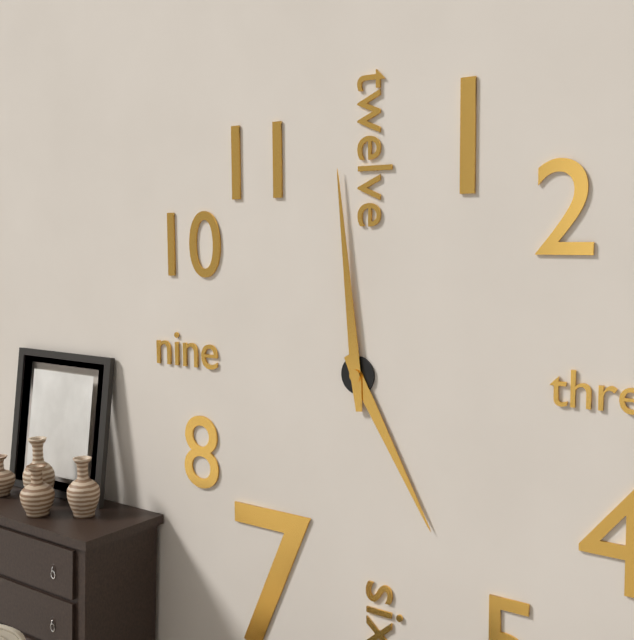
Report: 4:59
